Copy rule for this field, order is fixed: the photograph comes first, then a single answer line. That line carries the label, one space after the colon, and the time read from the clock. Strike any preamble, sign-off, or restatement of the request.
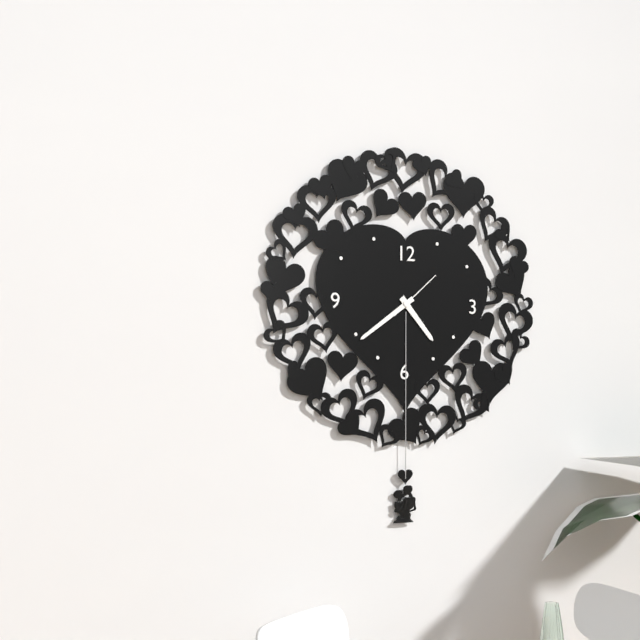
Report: 4:39:08
